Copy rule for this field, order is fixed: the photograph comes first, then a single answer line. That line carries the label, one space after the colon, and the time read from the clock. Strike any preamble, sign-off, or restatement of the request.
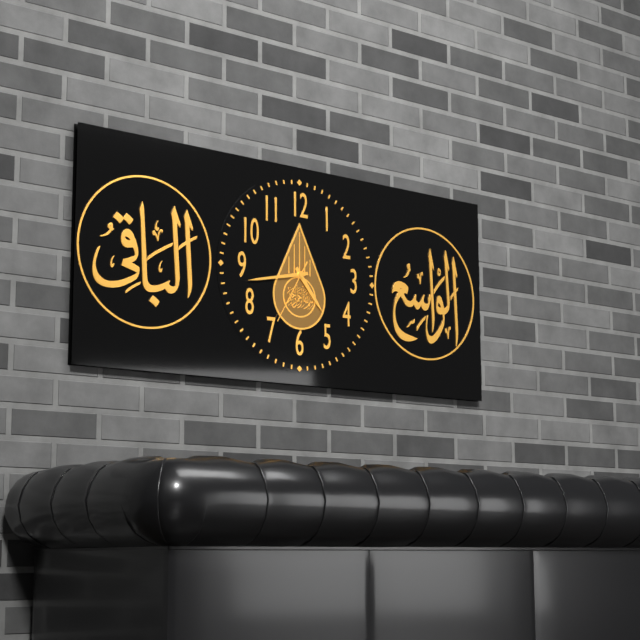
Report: 4:43:35
